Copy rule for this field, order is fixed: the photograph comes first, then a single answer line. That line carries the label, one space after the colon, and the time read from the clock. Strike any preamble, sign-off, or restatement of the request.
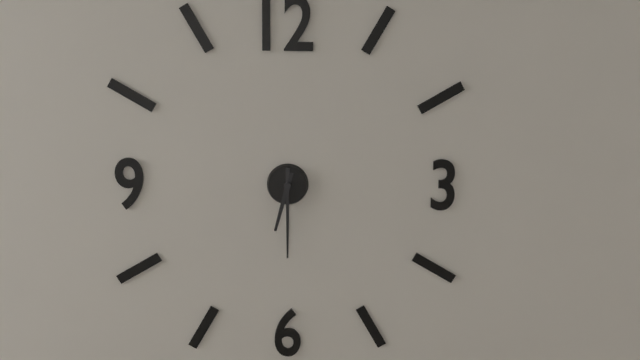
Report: 6:30
